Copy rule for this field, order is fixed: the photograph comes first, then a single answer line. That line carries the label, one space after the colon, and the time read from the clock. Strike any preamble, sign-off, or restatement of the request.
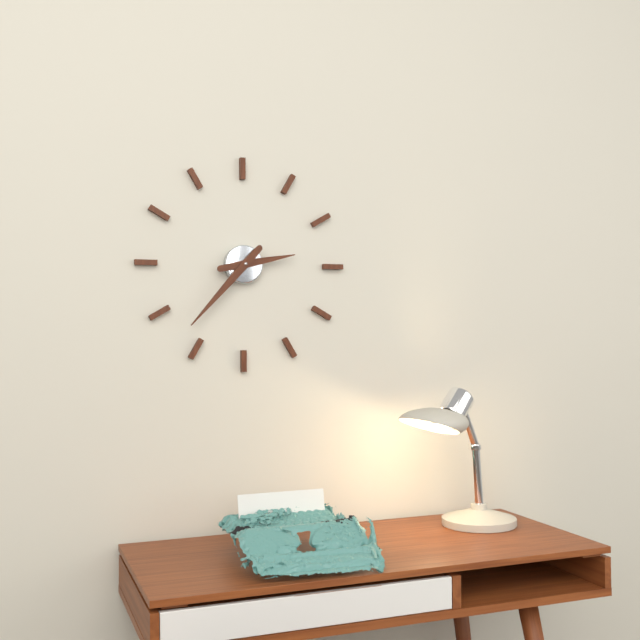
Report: 2:37
